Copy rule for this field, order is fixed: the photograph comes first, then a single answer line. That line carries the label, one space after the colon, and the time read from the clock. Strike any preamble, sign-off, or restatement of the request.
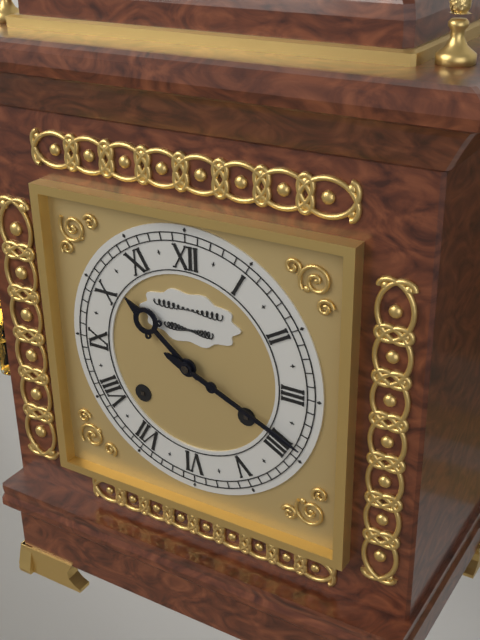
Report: 10:19
